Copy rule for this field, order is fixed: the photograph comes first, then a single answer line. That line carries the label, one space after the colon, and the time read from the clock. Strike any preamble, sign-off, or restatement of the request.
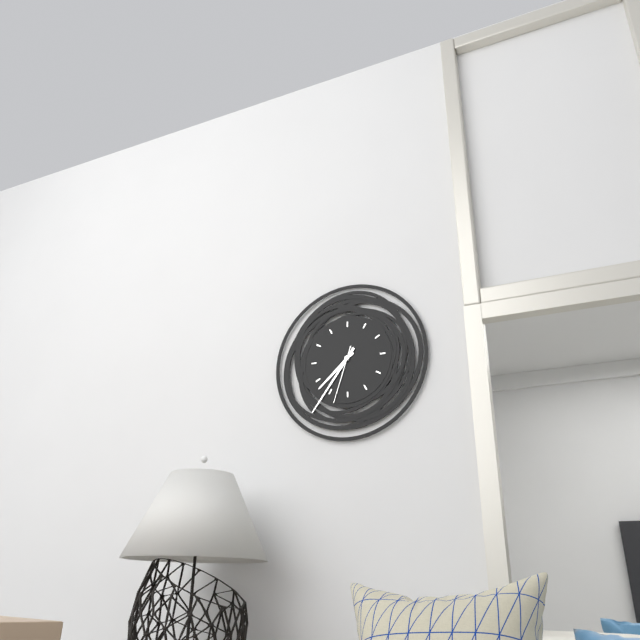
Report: 7:36:33
